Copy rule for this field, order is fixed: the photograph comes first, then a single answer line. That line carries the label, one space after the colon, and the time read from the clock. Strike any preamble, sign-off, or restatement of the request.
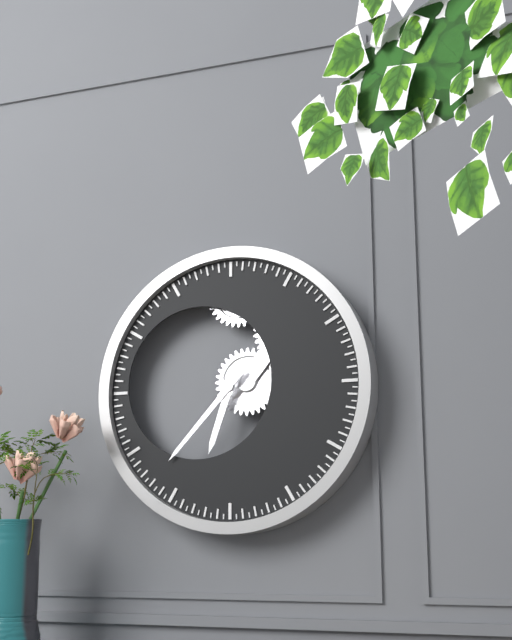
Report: 6:37
